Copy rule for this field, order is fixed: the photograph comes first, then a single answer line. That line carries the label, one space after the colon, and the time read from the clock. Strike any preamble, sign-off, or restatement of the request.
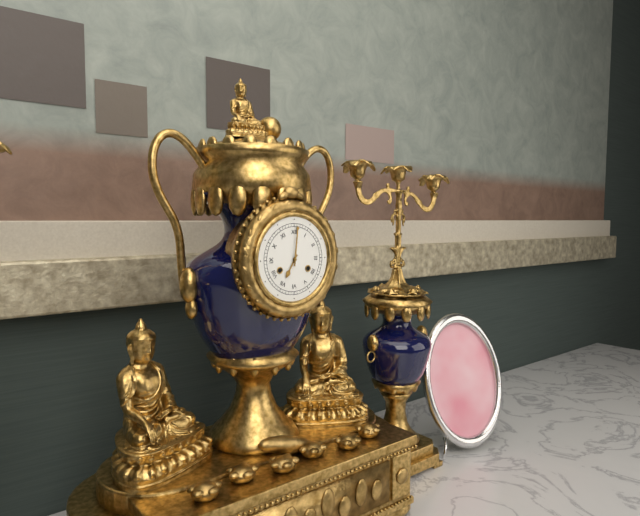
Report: 7:01
